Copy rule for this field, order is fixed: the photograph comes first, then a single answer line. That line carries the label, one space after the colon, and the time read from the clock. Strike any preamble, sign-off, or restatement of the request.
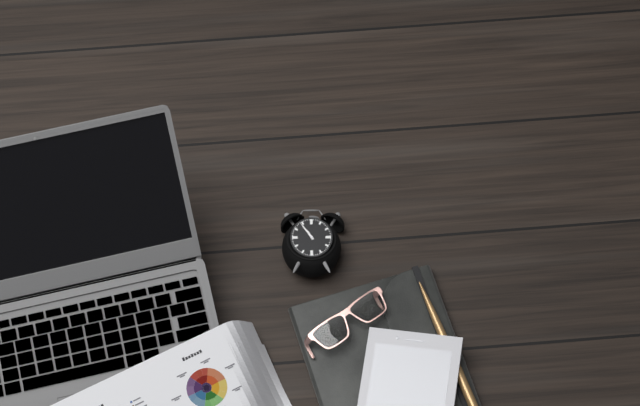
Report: 10:54
